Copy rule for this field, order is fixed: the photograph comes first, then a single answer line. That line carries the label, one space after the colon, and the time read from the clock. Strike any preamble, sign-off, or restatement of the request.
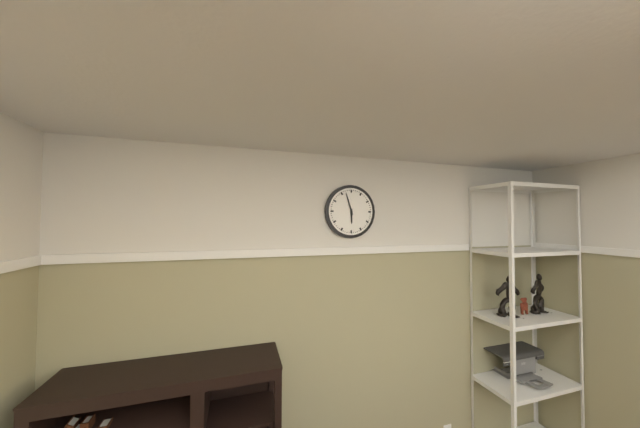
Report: 5:57
